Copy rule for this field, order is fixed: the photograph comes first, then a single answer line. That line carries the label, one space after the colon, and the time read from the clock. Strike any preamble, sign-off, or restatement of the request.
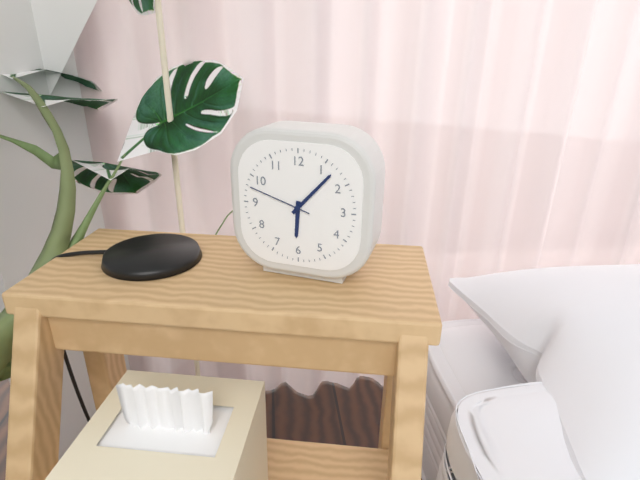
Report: 6:07:48
